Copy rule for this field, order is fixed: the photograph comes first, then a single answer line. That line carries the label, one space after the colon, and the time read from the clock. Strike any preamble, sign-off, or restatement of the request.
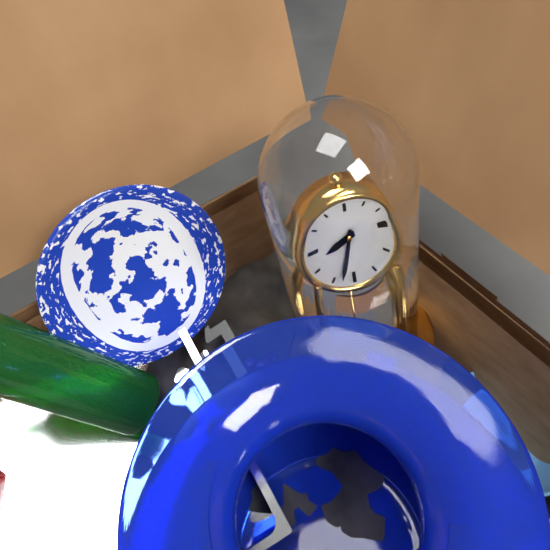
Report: 8:33
